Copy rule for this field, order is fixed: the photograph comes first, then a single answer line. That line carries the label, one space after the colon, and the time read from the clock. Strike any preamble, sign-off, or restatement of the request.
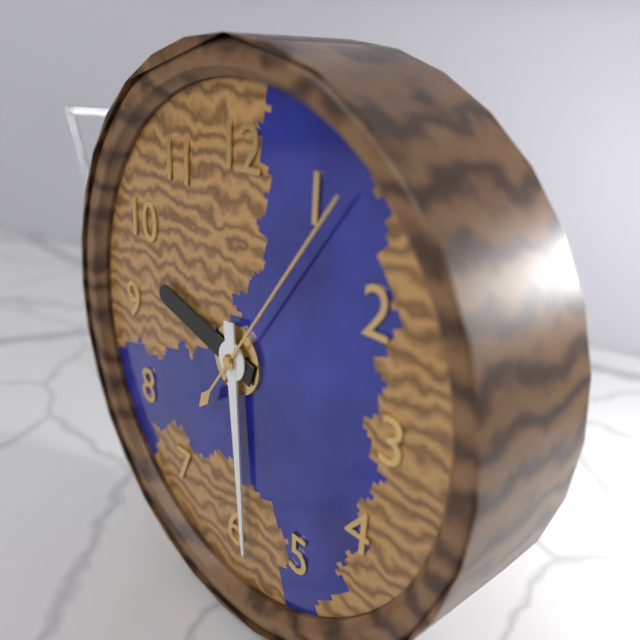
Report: 9:29:06
